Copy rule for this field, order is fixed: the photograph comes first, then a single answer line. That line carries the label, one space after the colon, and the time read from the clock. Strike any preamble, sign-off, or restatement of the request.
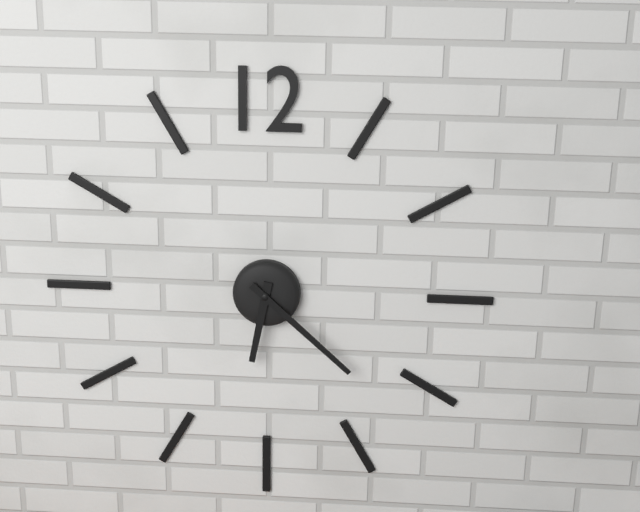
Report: 6:22
